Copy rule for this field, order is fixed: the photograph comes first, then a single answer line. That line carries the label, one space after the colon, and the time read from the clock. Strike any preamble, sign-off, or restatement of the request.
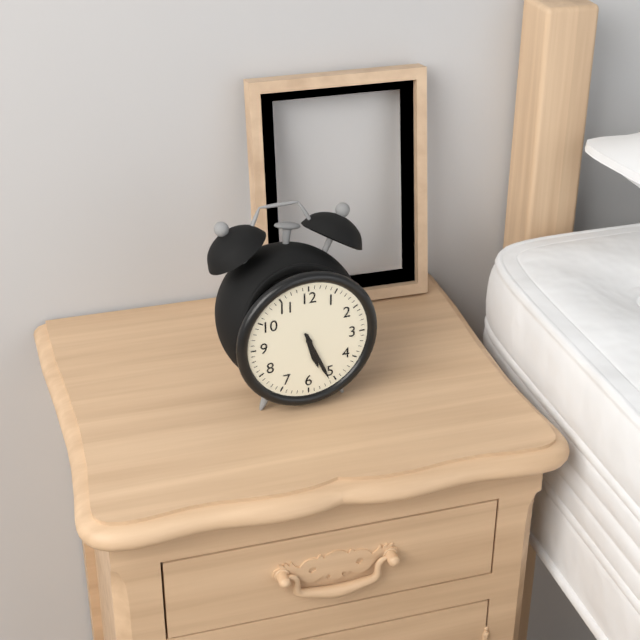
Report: 5:26
